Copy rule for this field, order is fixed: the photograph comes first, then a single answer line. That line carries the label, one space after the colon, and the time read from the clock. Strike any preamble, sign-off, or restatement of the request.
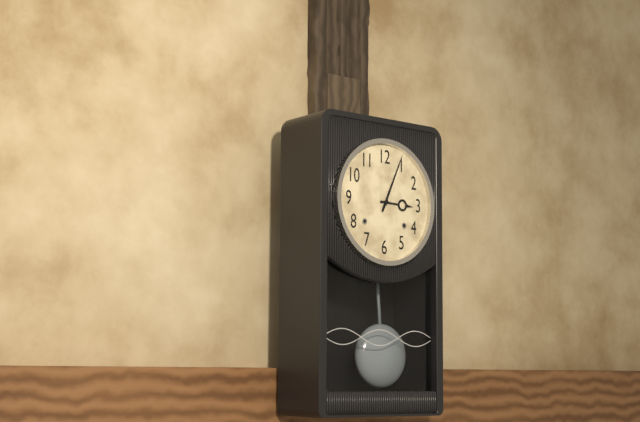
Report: 3:04
